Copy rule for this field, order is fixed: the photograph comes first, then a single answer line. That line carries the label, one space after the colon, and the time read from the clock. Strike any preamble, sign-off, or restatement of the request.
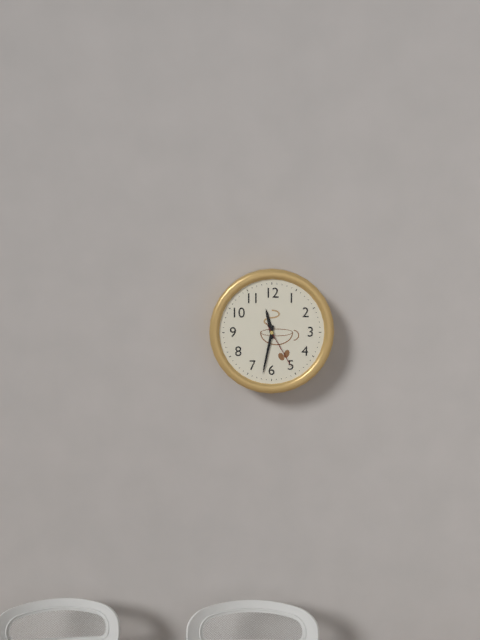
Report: 11:32:25
